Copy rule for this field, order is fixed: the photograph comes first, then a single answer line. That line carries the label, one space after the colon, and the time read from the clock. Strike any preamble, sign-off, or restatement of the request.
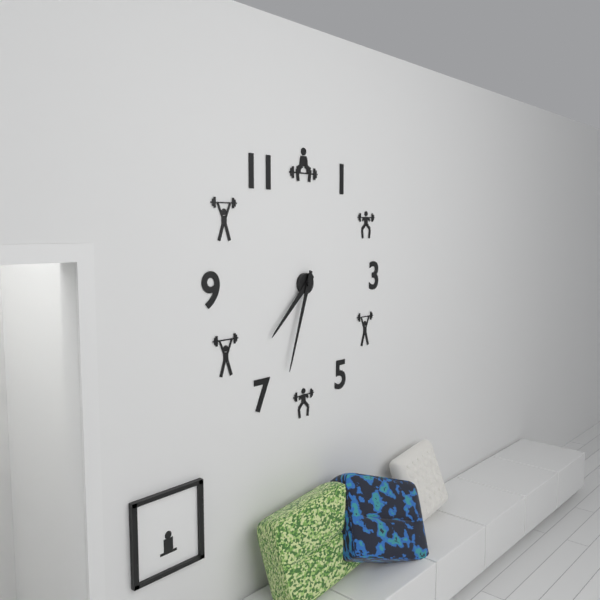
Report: 7:33
